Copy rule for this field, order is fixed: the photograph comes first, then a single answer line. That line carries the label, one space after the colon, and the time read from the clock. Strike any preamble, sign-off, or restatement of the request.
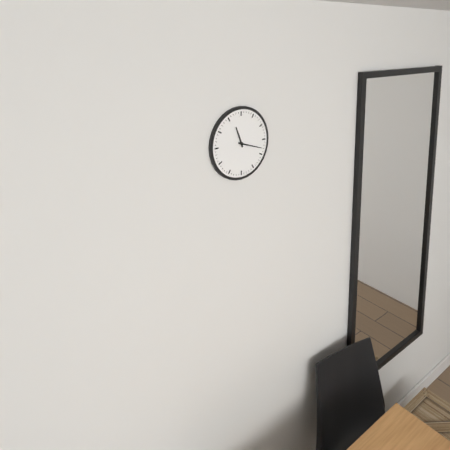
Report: 11:18
